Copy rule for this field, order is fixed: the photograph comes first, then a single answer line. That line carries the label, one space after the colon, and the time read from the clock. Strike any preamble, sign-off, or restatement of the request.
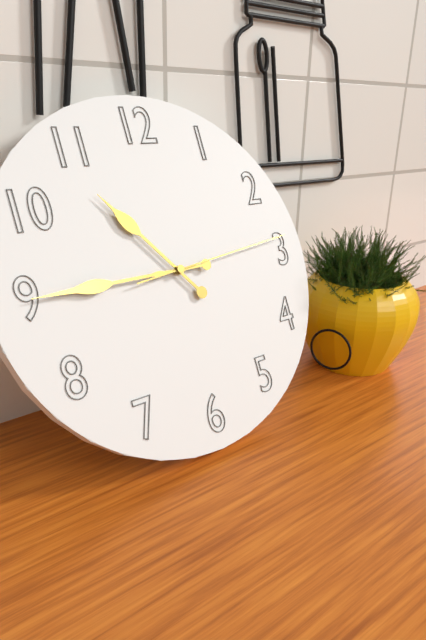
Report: 10:45:14
